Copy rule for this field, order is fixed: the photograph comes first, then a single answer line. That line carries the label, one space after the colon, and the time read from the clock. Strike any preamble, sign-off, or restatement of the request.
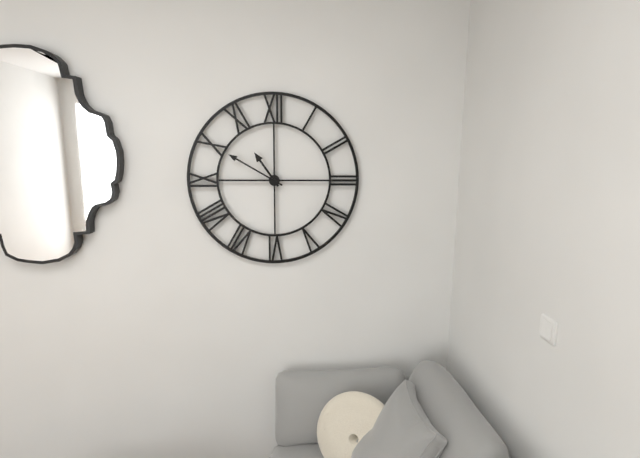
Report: 10:50
